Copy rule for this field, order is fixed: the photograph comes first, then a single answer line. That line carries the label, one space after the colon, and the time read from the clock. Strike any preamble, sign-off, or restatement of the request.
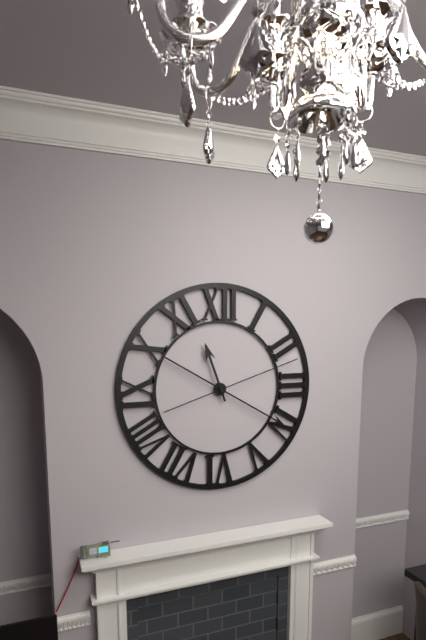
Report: 11:20:12
